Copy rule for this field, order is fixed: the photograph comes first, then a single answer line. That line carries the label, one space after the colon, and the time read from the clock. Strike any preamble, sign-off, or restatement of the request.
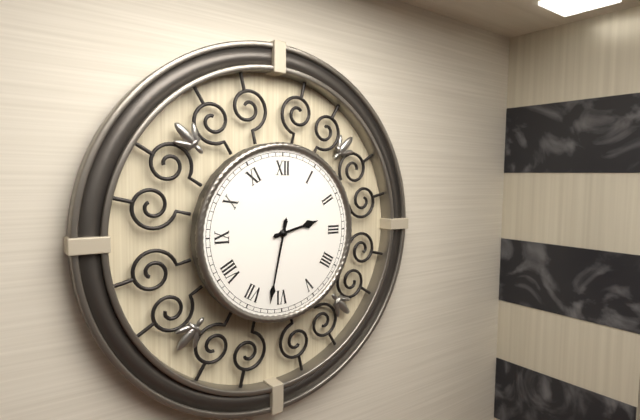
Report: 2:32
